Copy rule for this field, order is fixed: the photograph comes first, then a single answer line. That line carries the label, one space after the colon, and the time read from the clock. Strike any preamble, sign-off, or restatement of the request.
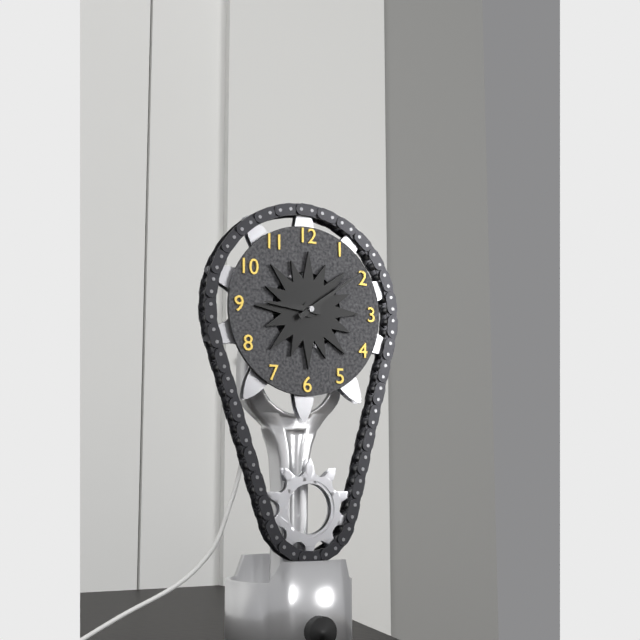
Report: 9:09
